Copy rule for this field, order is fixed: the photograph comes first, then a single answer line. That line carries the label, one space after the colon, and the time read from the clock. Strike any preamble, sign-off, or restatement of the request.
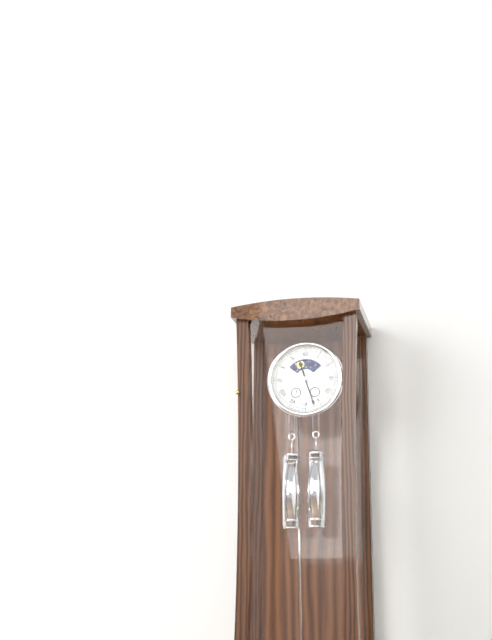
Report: 11:27
